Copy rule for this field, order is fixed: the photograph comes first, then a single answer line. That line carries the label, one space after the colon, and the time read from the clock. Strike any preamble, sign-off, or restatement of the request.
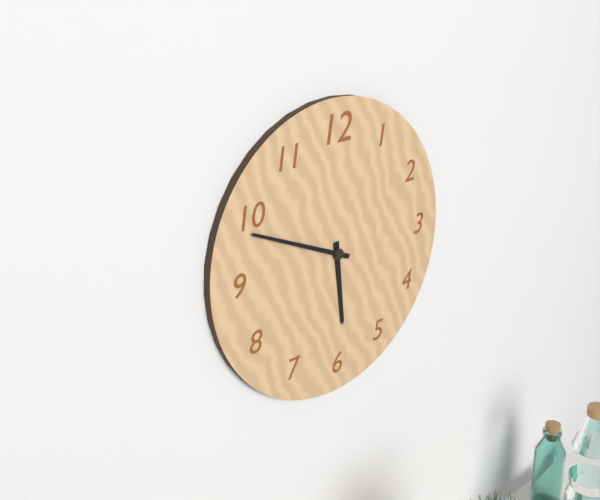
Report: 5:49
